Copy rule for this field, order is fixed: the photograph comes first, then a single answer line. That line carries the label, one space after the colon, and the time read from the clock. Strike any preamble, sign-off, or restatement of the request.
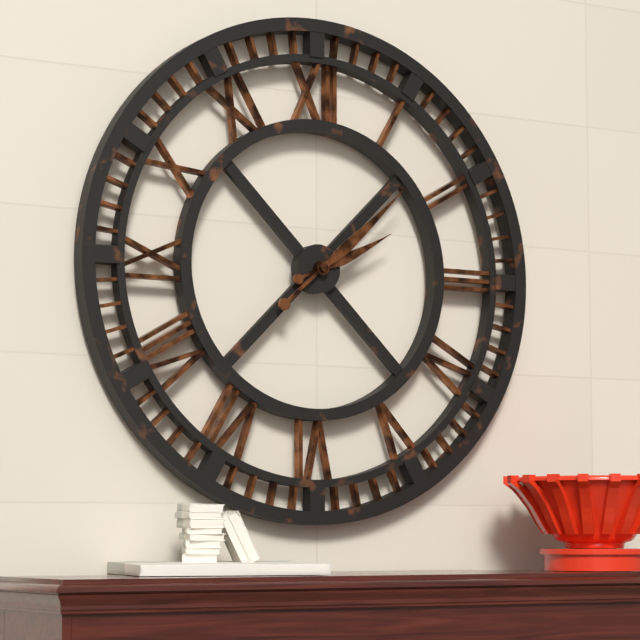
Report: 2:08
